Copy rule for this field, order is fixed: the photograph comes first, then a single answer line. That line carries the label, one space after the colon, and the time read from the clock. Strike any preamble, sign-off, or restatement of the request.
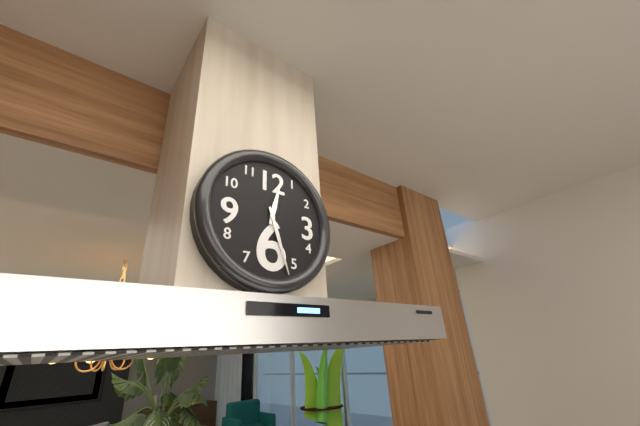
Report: 12:27
